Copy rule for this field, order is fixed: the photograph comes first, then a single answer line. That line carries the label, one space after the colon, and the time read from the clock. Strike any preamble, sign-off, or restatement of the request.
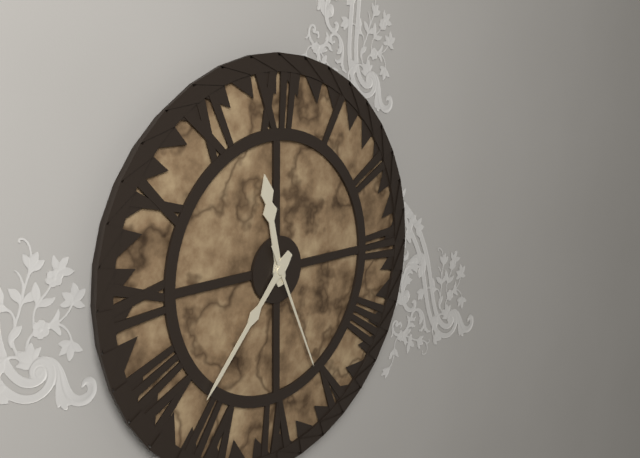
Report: 11:37:26
